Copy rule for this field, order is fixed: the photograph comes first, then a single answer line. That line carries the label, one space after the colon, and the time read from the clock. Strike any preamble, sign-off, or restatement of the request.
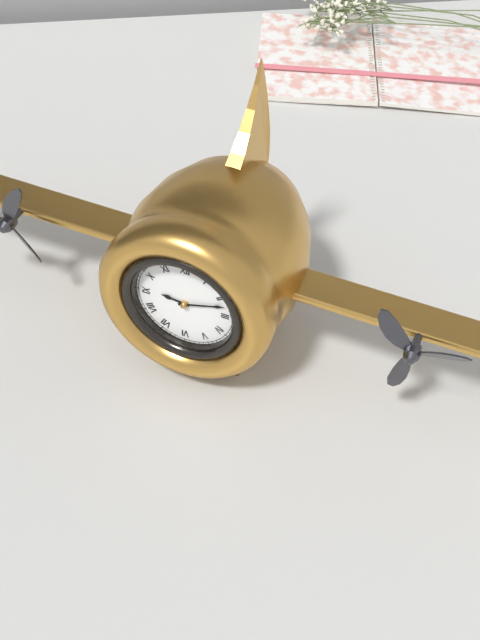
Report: 9:12
